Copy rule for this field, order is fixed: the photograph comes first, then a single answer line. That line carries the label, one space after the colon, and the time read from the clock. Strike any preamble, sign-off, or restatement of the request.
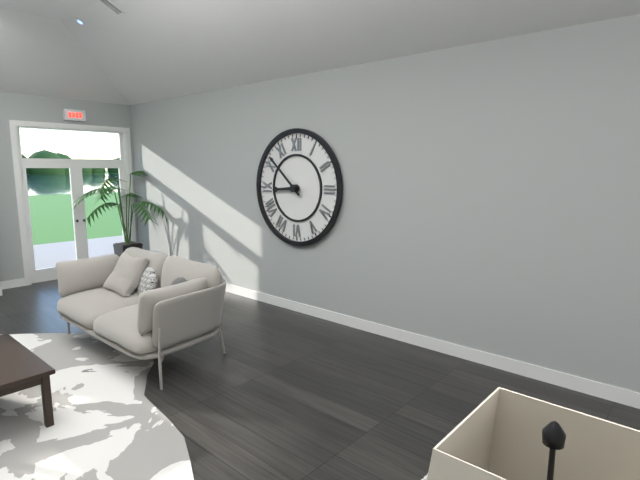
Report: 8:52
